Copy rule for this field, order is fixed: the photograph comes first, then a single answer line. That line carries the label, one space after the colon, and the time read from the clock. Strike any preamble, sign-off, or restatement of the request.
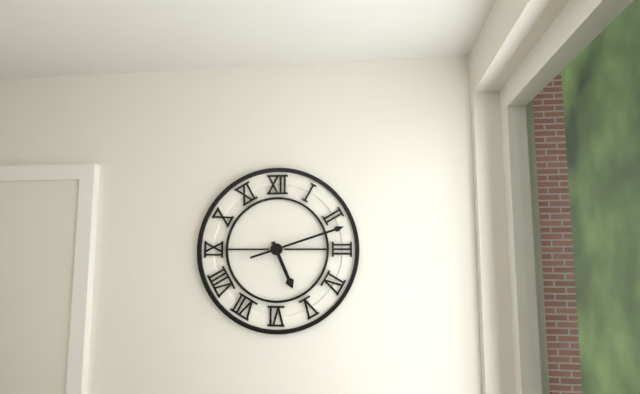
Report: 5:12
